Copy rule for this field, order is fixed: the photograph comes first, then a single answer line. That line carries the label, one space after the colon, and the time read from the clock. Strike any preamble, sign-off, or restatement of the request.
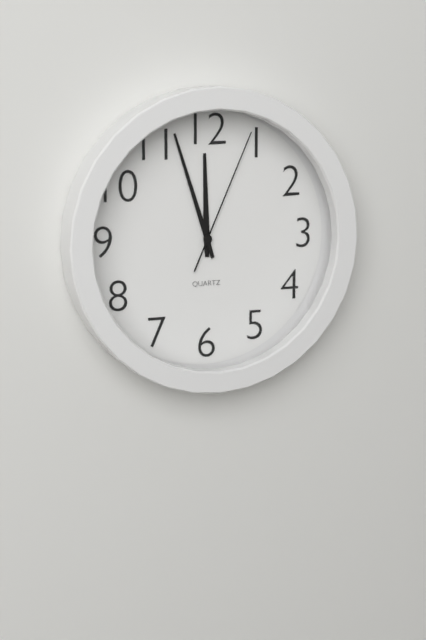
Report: 11:57:04
